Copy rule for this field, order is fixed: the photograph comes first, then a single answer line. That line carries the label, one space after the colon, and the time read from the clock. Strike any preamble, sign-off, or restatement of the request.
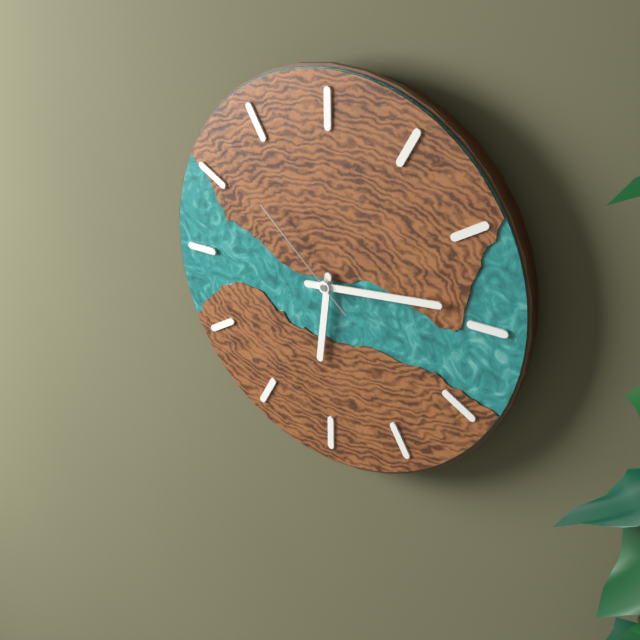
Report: 6:14:52
